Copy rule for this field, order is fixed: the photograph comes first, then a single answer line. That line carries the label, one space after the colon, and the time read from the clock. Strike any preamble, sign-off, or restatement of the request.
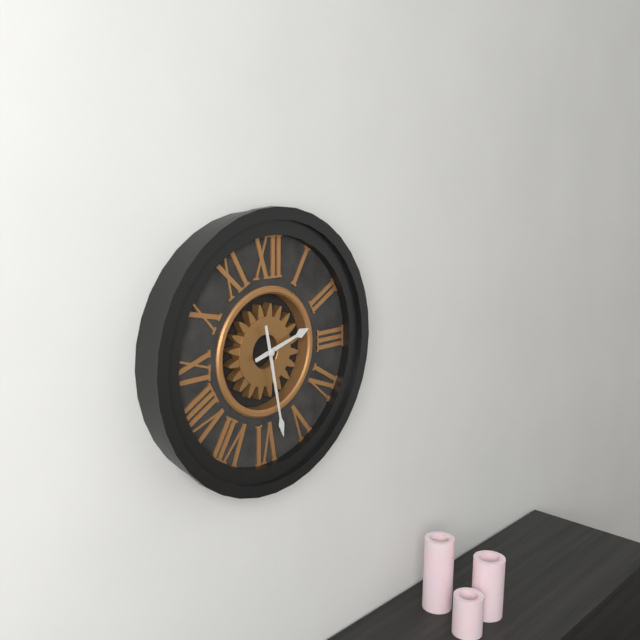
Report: 2:28
